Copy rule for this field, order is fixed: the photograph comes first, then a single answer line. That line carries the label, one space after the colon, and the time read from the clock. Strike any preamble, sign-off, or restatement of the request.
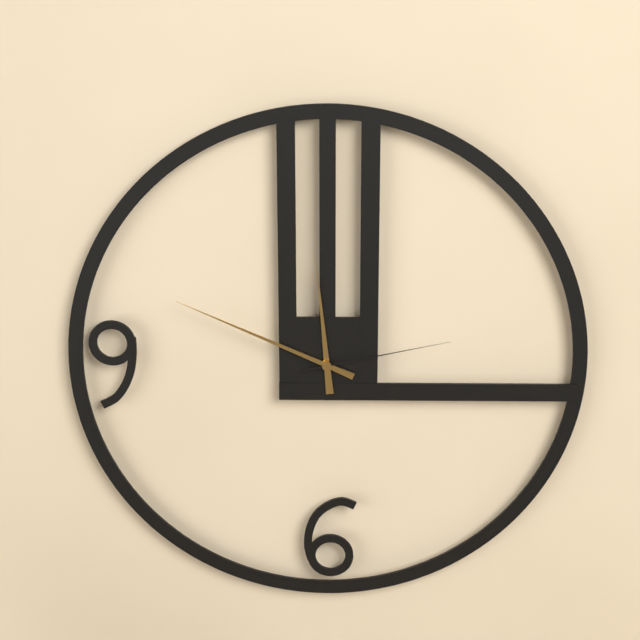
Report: 11:49:13
